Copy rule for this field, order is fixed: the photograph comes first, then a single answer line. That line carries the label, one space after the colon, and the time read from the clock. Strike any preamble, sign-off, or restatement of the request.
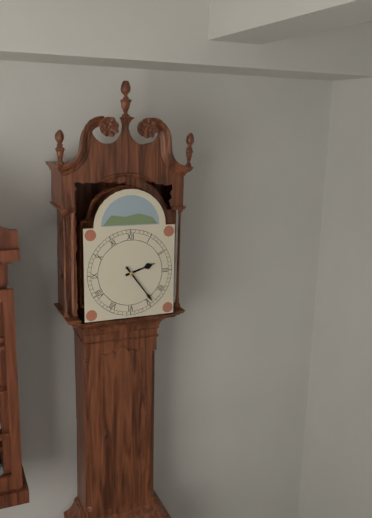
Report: 2:24
